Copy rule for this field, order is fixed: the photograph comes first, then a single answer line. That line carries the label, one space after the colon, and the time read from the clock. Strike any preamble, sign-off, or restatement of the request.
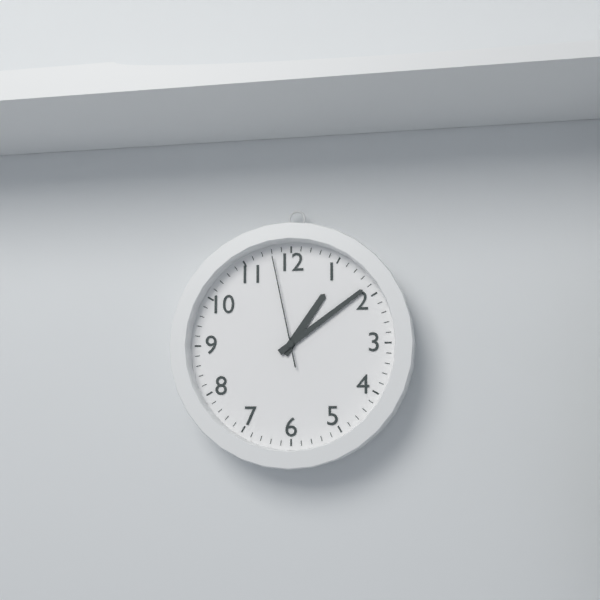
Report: 1:09:58
